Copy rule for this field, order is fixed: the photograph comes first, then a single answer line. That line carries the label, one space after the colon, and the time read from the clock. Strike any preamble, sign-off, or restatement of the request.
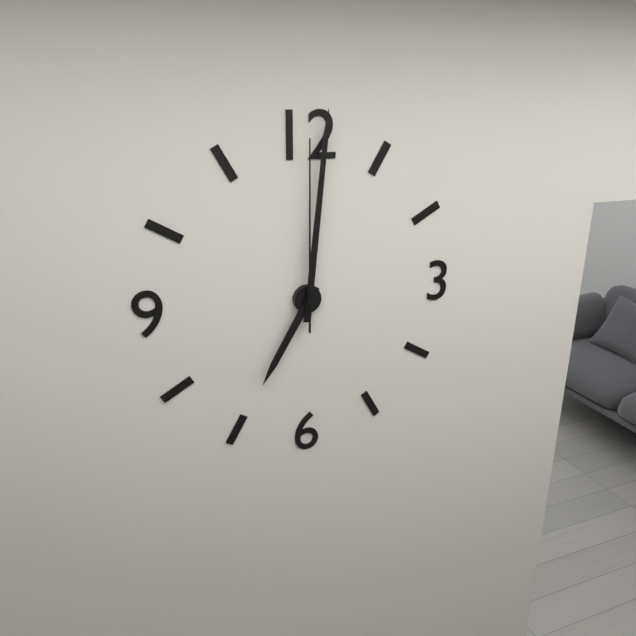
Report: 7:01:00
